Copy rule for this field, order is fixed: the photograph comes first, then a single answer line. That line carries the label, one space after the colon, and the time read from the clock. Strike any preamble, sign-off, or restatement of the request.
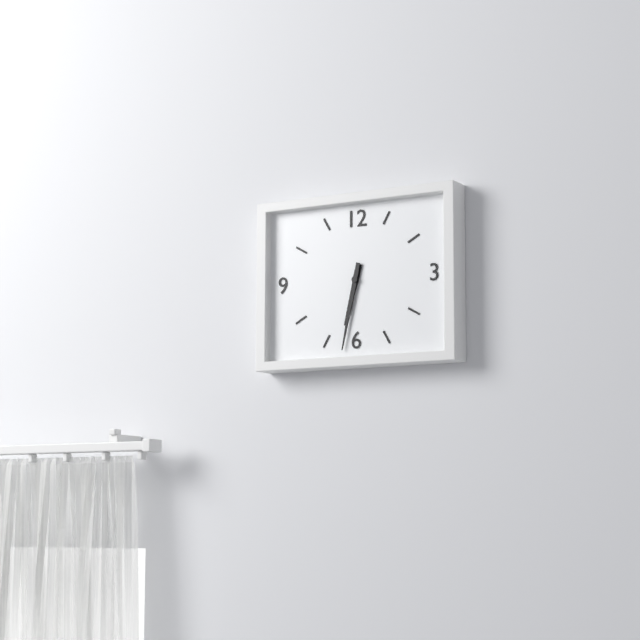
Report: 6:32
